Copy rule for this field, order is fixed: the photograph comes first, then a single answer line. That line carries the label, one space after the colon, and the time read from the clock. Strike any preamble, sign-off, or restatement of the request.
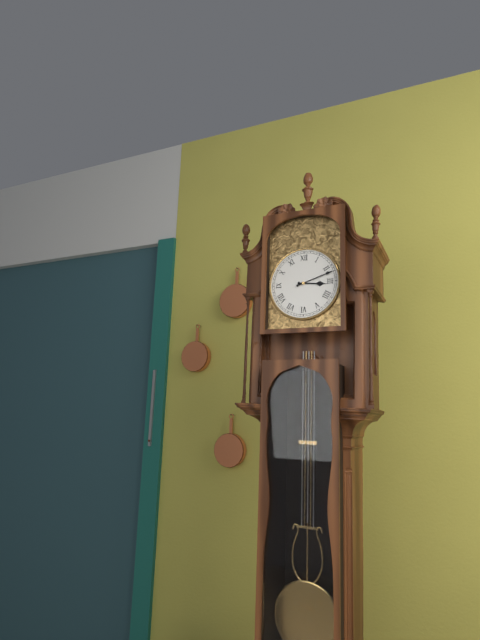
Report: 3:12
